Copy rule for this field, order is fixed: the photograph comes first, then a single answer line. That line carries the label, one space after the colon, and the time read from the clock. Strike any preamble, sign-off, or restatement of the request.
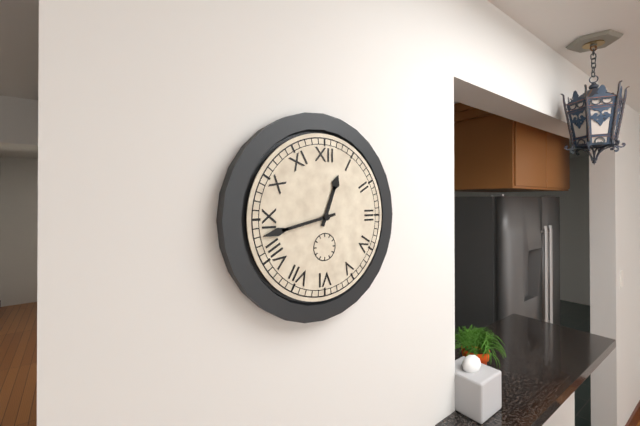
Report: 12:43
